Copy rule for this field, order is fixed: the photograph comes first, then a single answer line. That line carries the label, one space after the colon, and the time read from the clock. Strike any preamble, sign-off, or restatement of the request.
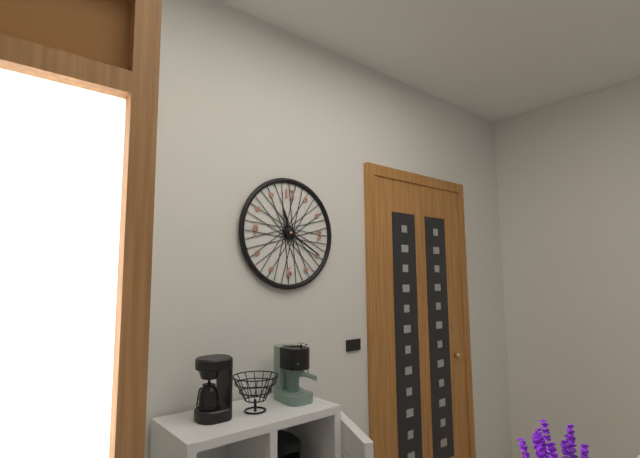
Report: 11:20
